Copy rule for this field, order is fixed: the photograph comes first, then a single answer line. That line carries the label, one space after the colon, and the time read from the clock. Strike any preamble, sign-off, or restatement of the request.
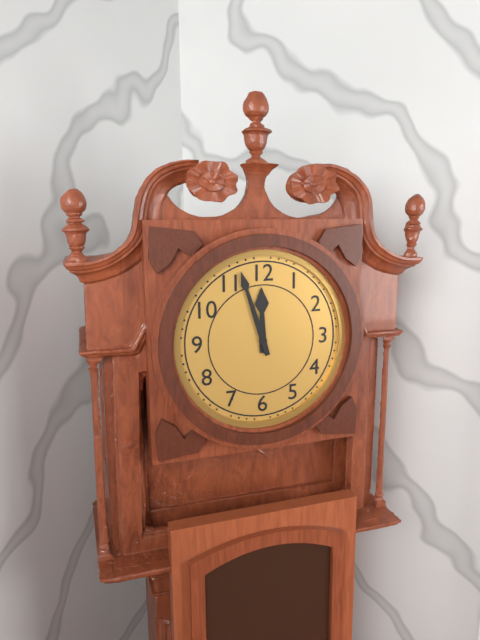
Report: 11:57
